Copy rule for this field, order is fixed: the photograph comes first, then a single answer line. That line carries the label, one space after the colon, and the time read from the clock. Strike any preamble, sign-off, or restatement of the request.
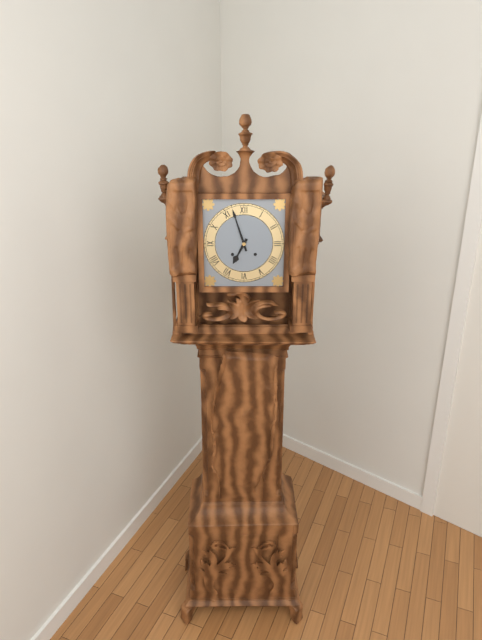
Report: 6:57
